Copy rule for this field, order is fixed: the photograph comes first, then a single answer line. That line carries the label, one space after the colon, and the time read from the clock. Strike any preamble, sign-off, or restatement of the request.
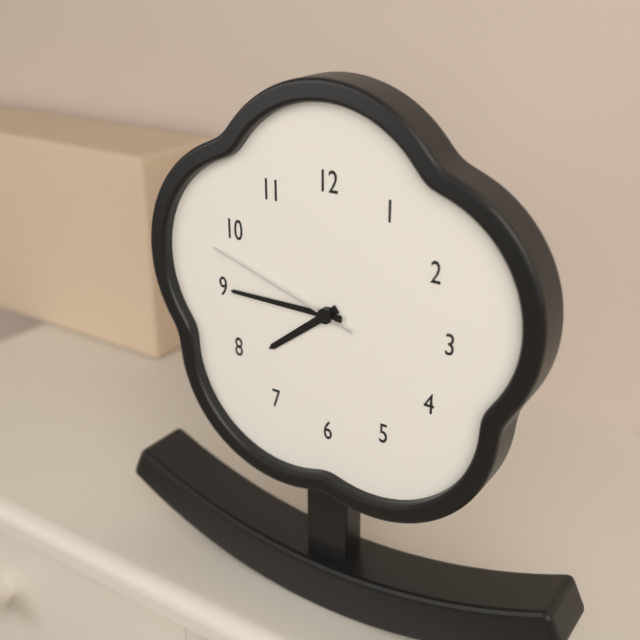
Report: 7:45:48
